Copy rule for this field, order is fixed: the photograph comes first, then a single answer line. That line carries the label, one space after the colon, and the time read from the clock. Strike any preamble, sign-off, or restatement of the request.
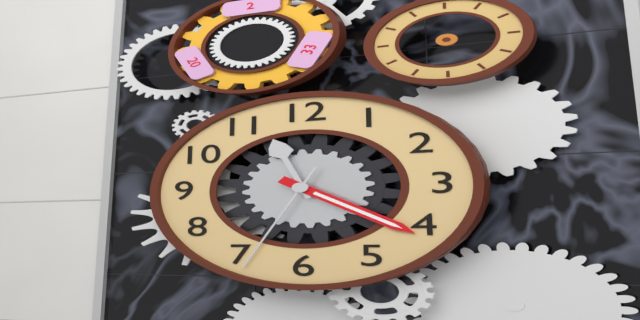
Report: 11:21:34
